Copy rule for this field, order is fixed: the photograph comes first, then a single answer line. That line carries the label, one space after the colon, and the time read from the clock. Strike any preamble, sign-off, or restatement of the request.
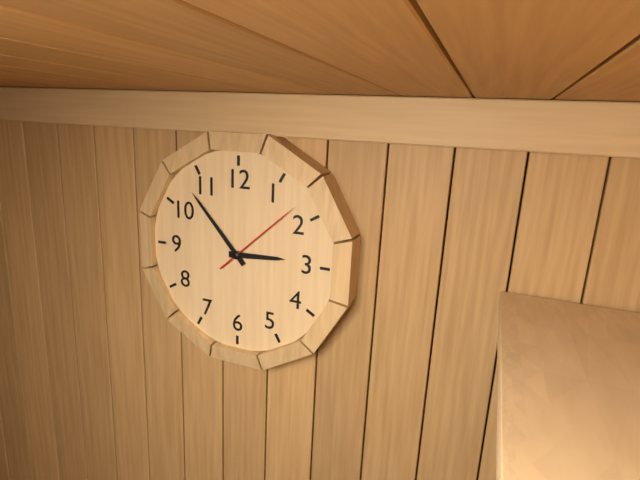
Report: 2:53:08
